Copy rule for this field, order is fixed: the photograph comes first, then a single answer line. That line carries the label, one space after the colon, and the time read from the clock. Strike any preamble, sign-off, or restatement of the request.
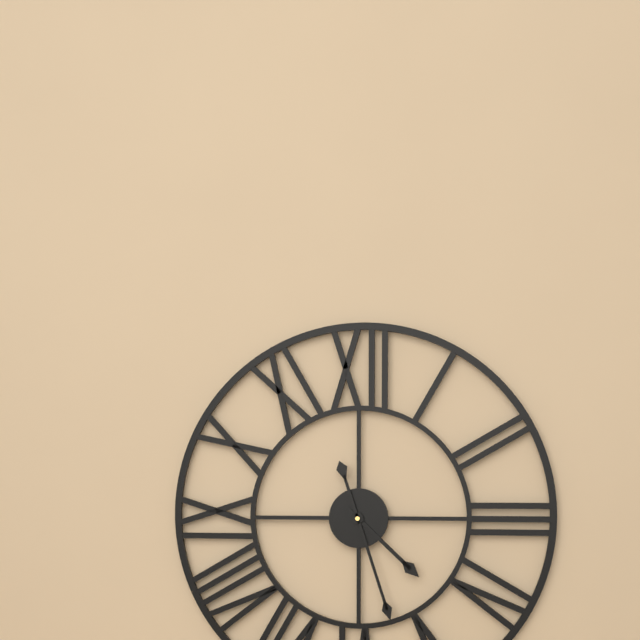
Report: 4:27
